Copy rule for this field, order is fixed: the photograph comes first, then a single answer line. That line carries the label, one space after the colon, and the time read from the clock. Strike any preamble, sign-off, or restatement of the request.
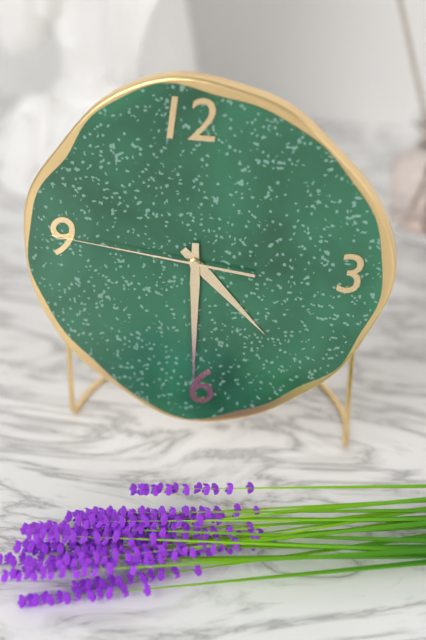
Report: 4:30:46
